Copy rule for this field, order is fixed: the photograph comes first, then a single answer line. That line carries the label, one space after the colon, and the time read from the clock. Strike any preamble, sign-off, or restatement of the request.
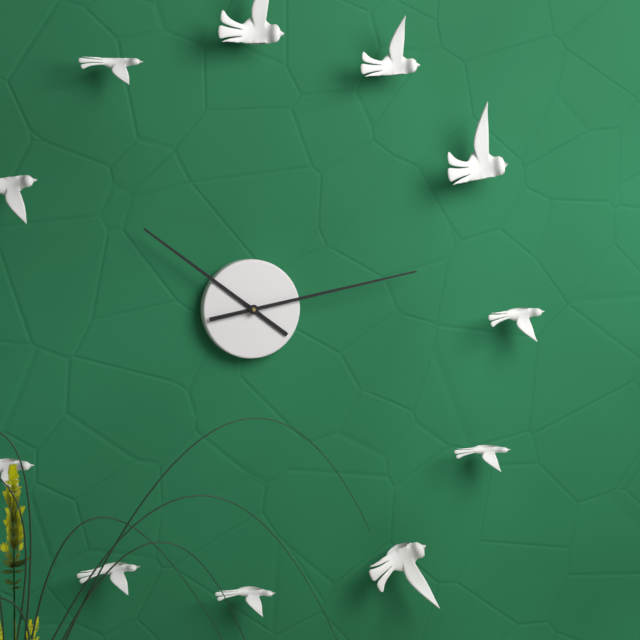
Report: 10:13
